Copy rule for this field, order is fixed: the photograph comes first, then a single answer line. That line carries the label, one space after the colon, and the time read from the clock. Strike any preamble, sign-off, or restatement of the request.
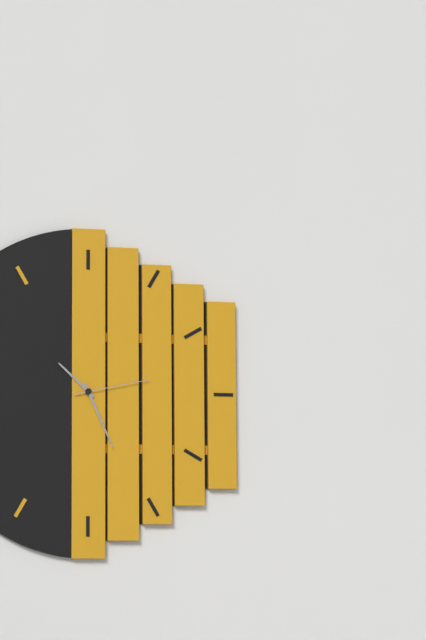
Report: 10:26:13
